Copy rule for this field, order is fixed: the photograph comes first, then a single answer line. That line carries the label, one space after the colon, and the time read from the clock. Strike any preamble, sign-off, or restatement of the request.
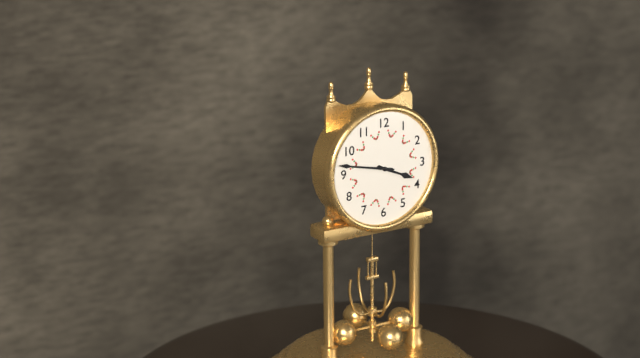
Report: 3:47
